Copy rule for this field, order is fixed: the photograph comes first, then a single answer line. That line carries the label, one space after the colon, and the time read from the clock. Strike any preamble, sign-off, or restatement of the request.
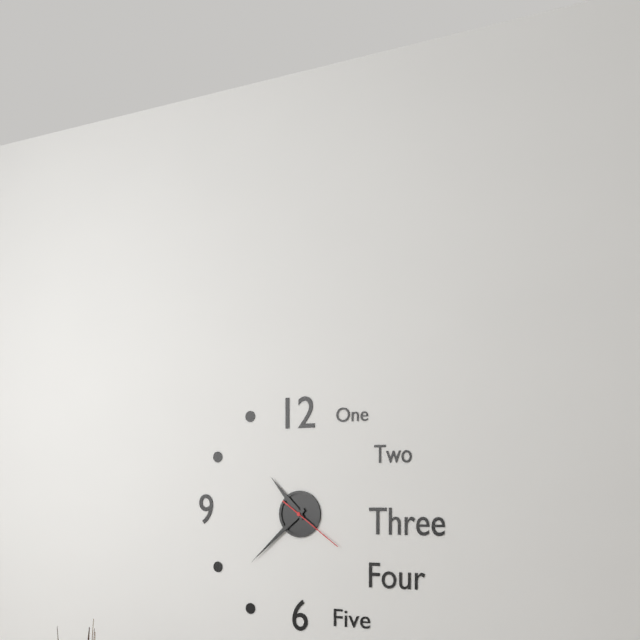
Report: 10:38:21
